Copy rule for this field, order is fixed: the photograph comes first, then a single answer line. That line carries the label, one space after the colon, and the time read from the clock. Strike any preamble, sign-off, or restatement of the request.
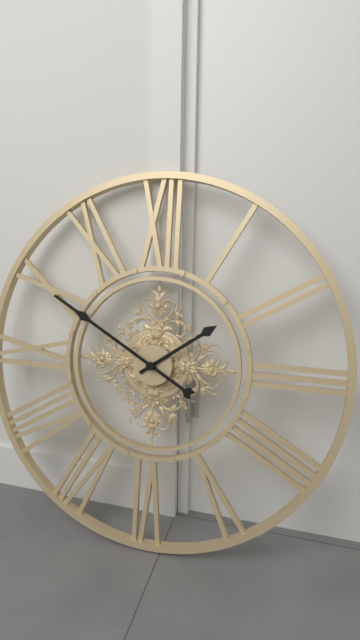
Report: 1:50
